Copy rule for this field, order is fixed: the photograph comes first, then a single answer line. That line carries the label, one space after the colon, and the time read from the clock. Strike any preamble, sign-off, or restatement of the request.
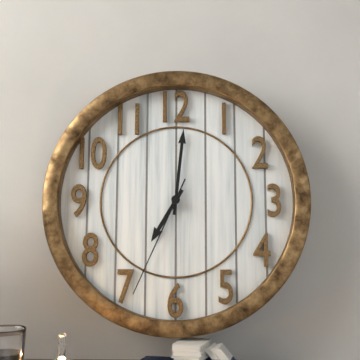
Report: 7:01:34
